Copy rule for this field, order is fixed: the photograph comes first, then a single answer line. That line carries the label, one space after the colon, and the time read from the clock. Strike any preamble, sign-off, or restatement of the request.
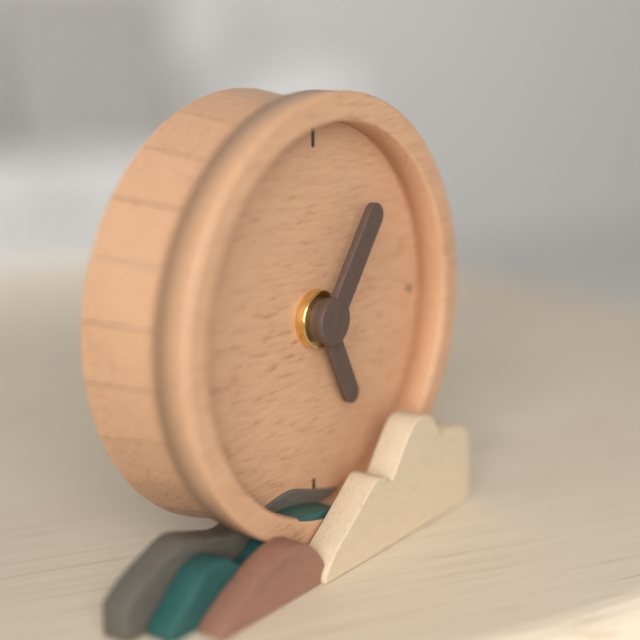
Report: 5:06
